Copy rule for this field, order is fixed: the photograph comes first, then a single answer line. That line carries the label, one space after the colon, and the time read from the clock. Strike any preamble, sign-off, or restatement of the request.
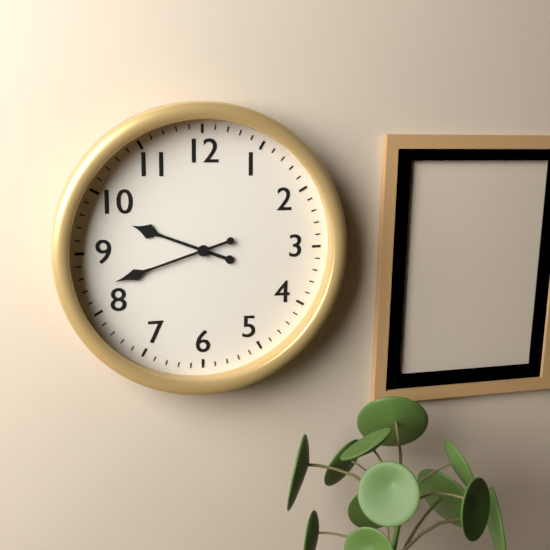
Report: 9:42
